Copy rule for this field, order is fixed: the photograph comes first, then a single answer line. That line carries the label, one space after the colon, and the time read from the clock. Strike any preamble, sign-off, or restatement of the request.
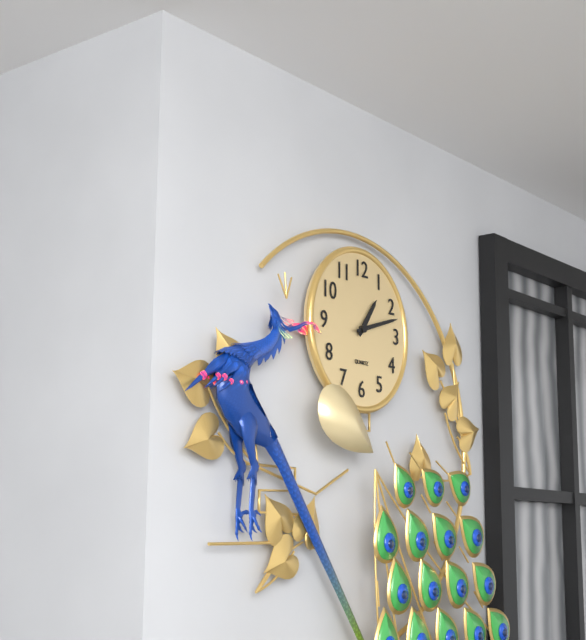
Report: 1:12
